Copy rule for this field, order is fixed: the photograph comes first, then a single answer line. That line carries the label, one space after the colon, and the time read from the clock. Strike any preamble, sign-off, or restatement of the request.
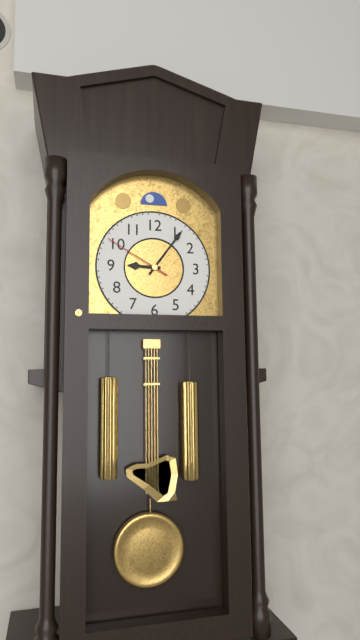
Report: 9:06:50
